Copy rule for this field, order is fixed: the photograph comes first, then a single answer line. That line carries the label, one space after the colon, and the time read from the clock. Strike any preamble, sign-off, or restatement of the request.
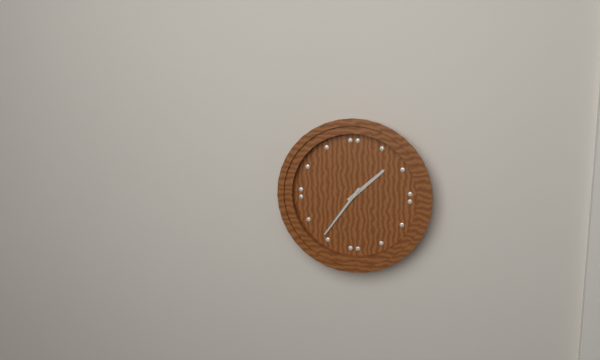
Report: 1:36
